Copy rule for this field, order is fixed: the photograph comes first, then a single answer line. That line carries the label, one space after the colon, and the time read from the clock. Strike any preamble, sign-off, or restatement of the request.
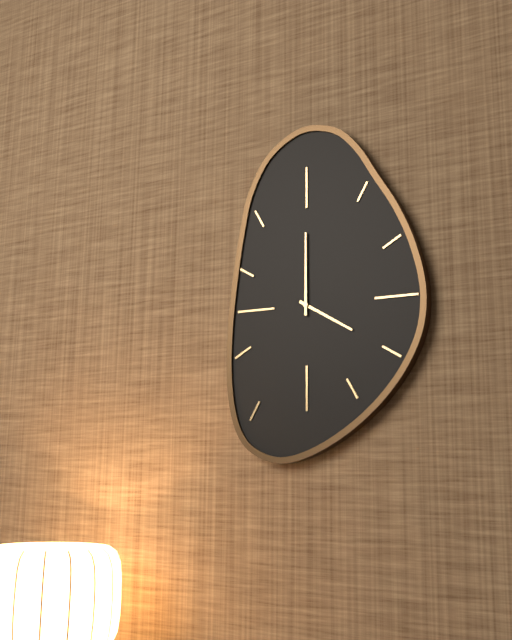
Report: 4:00
